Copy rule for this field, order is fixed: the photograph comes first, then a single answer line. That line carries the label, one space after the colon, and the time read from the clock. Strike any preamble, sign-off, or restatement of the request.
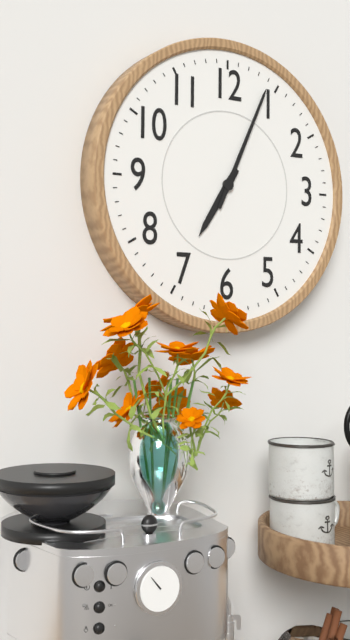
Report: 7:04
